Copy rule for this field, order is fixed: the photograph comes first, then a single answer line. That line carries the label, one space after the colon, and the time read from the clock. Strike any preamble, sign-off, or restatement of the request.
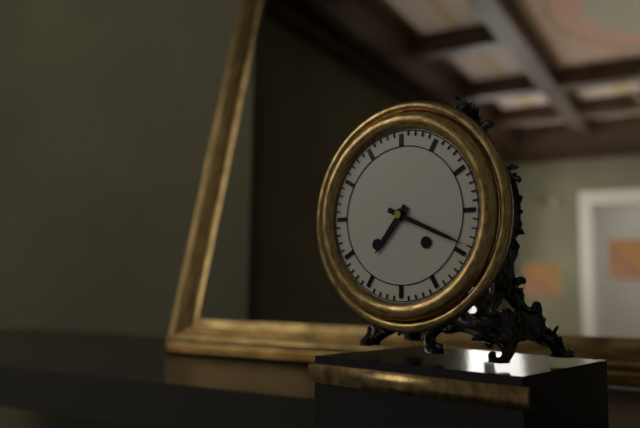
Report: 7:19
